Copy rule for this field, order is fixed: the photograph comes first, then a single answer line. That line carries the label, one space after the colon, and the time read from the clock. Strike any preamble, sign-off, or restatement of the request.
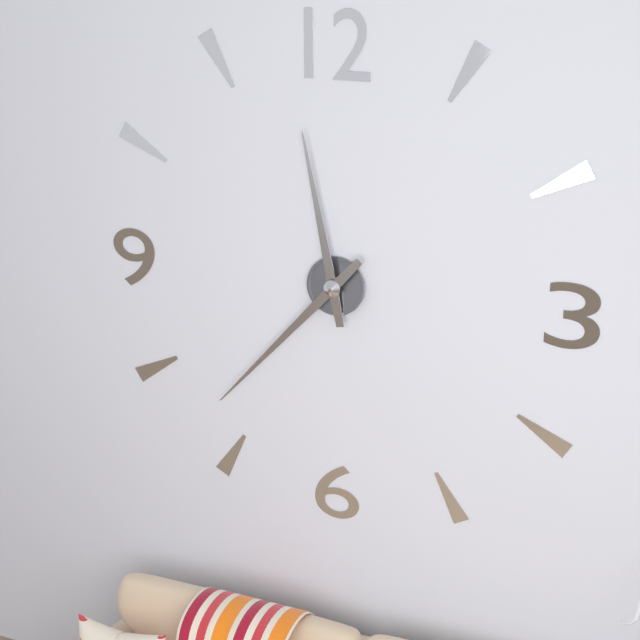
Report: 11:37
